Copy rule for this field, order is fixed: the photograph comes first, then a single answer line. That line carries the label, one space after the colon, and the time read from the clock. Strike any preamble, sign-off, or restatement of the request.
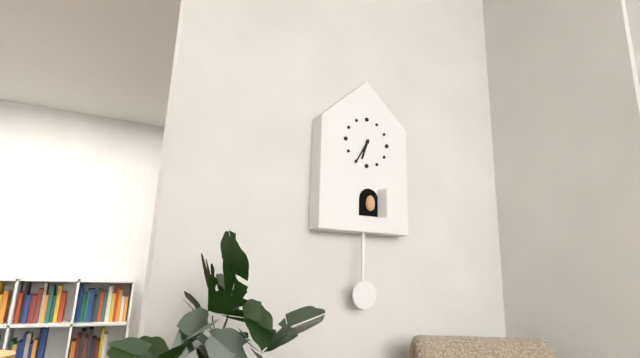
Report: 6:35
